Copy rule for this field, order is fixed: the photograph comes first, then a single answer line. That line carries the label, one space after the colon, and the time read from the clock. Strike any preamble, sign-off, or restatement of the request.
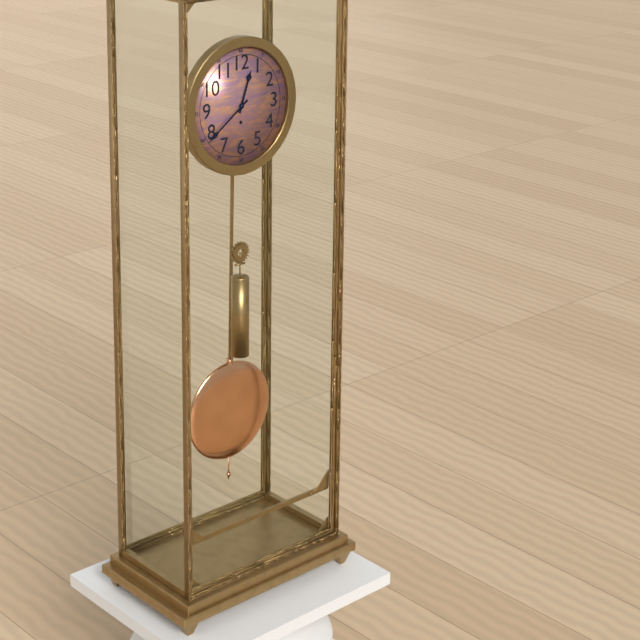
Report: 12:39
